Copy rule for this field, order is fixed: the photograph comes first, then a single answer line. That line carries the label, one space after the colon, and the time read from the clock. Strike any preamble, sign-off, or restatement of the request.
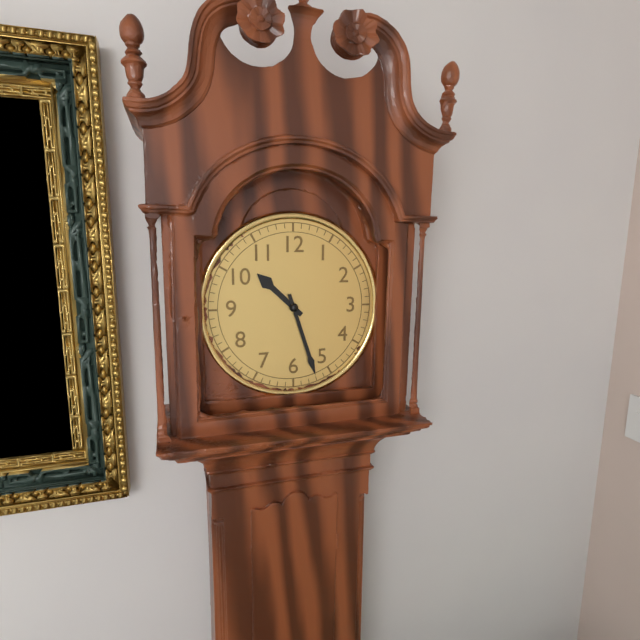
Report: 10:27
